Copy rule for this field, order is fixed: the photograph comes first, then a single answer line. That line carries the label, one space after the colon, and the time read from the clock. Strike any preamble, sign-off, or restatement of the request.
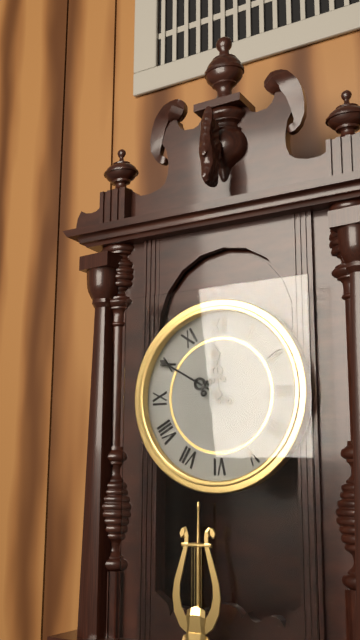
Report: 11:50
